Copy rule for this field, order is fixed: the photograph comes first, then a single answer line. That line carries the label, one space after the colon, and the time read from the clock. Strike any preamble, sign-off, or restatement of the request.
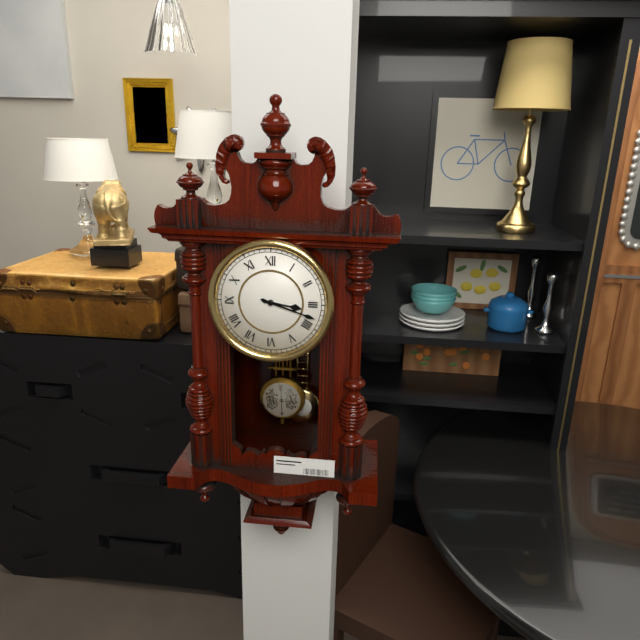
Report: 3:18
